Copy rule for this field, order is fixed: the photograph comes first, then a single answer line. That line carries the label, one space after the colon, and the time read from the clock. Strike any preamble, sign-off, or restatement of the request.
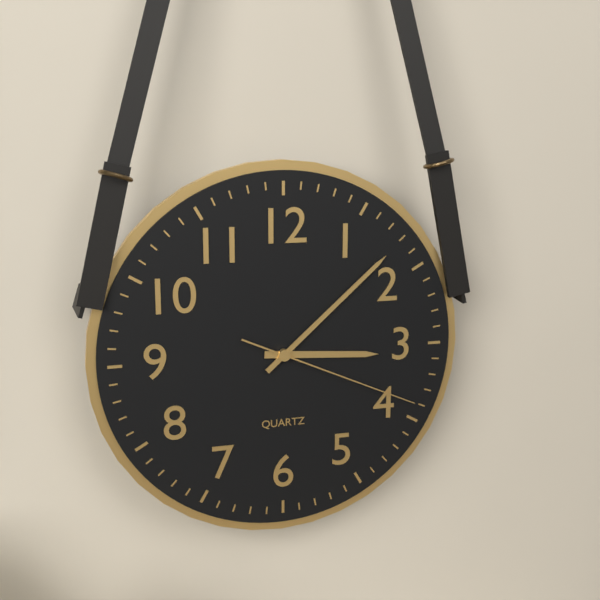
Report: 3:08:19
